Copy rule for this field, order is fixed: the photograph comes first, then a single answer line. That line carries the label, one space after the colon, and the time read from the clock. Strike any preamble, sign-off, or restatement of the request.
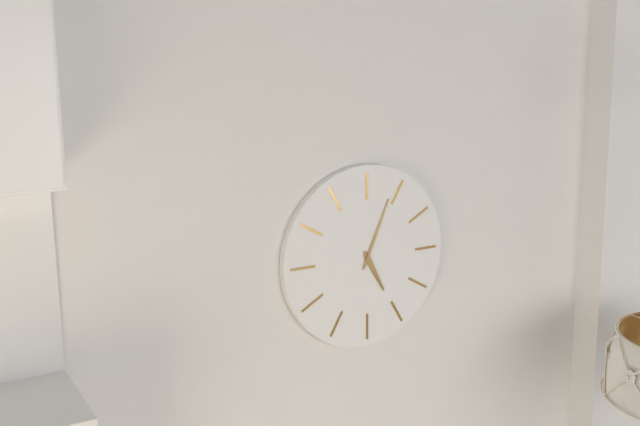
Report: 5:04
